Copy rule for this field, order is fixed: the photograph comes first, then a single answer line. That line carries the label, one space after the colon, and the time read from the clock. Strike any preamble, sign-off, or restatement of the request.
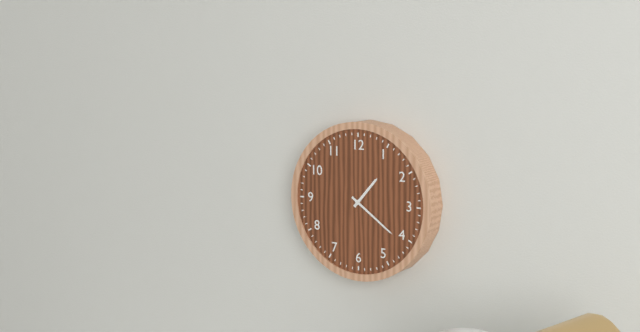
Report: 1:21
